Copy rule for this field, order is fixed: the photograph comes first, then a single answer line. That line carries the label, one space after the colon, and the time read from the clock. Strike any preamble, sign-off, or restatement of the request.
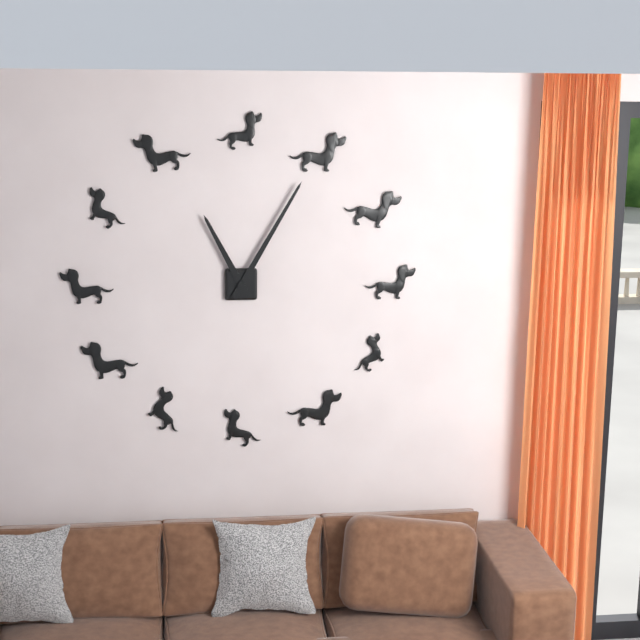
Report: 11:05
